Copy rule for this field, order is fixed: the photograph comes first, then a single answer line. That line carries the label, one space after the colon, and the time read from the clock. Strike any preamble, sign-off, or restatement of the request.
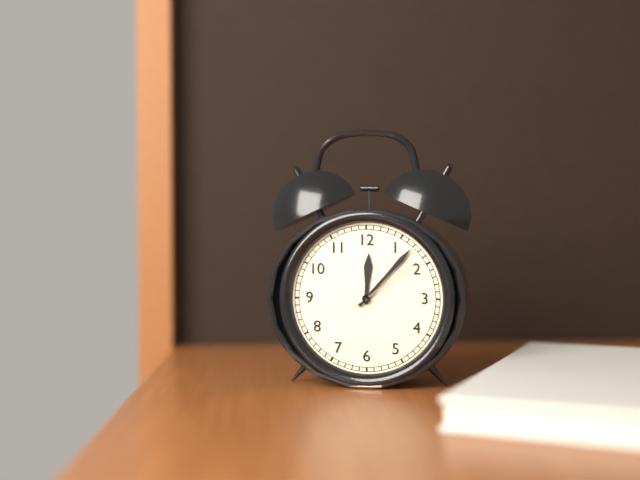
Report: 12:07:09
